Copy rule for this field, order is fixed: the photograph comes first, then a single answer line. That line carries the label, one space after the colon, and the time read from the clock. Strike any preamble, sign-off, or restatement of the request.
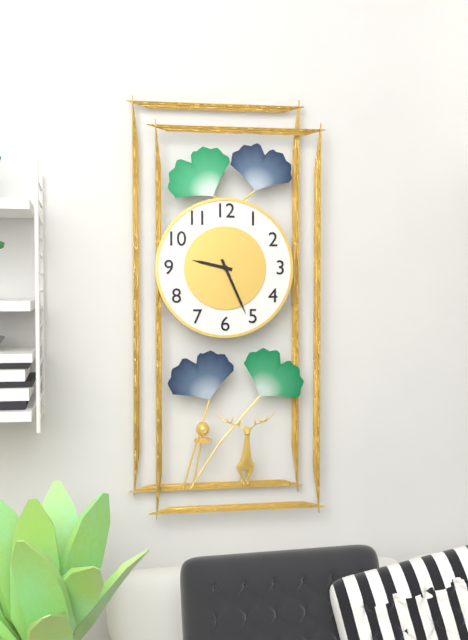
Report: 9:26
